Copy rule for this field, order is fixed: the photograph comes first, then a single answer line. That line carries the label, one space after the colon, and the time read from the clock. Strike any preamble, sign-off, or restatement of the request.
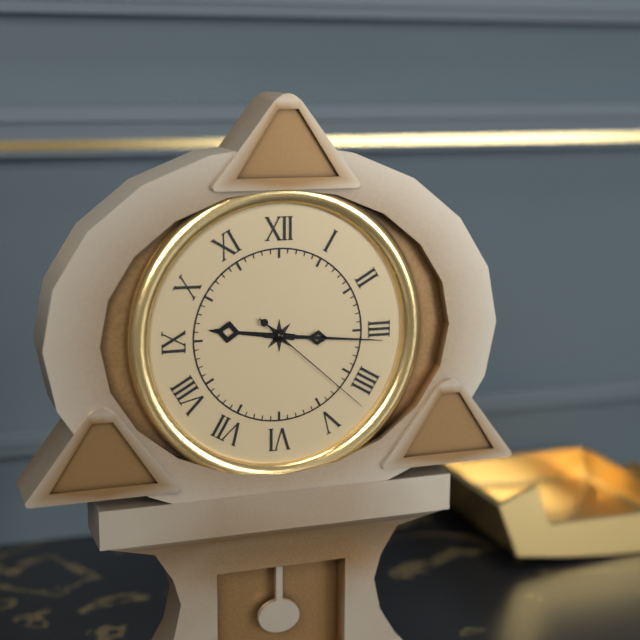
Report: 9:16:22
